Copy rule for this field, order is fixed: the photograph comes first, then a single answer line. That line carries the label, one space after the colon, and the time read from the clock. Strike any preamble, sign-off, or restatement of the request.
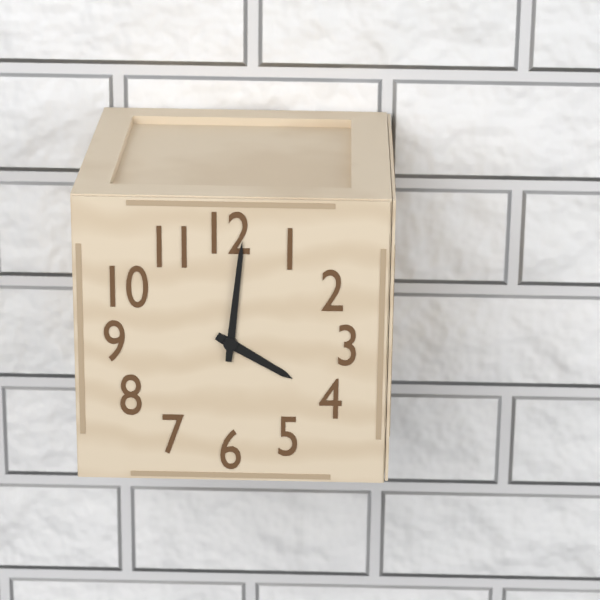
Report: 4:01
